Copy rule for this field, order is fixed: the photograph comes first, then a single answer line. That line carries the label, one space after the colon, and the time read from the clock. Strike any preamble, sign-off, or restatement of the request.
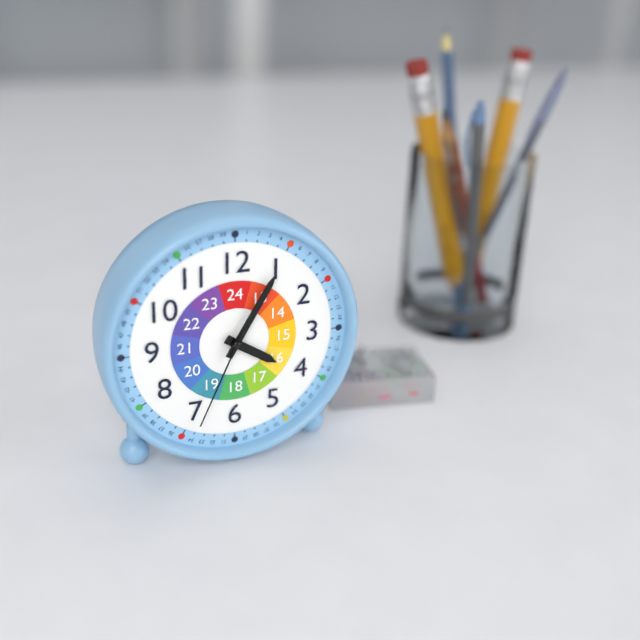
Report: 4:05:34
